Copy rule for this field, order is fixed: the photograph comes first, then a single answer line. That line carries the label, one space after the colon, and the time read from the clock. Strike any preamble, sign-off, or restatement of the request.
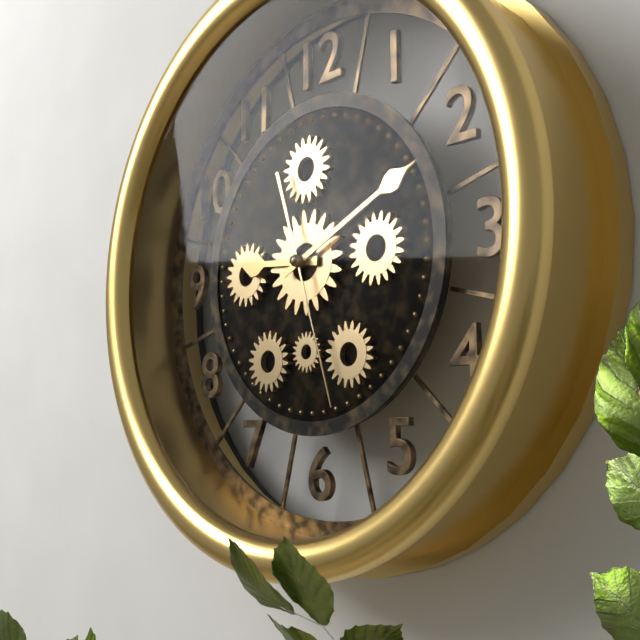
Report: 9:11:27
